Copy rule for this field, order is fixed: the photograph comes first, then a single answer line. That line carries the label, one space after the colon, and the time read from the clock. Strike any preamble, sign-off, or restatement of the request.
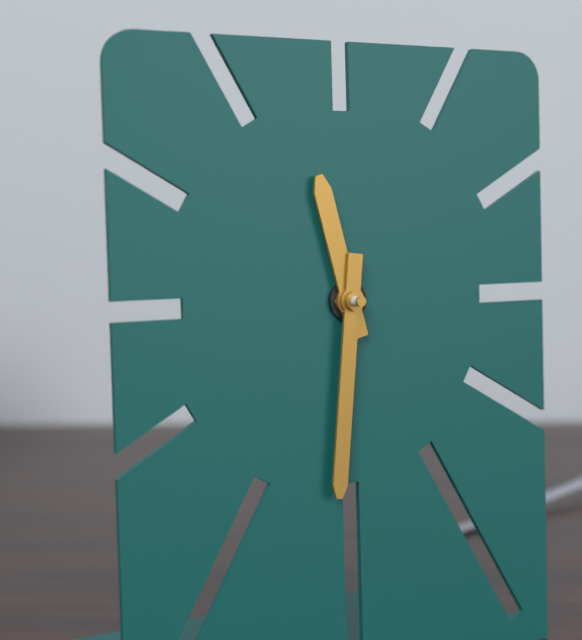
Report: 11:31
